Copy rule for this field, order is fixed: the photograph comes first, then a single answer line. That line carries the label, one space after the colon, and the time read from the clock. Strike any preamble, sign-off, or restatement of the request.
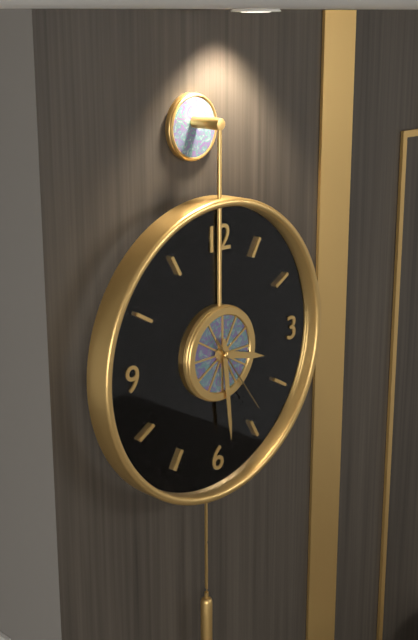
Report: 3:29:24
